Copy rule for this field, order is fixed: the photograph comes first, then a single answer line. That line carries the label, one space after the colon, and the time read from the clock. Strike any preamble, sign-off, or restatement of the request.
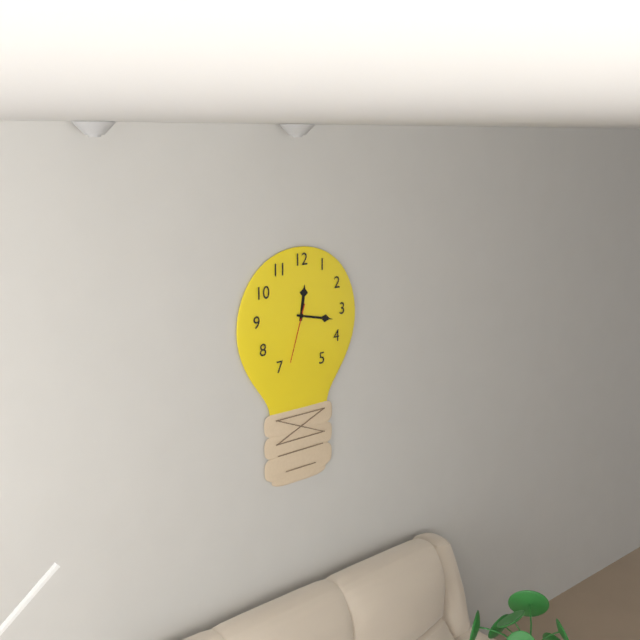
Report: 12:17:33
